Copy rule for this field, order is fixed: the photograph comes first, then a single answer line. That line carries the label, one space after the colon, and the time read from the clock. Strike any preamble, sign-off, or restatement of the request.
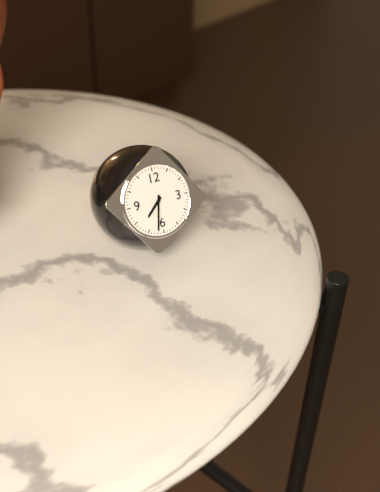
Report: 7:32
